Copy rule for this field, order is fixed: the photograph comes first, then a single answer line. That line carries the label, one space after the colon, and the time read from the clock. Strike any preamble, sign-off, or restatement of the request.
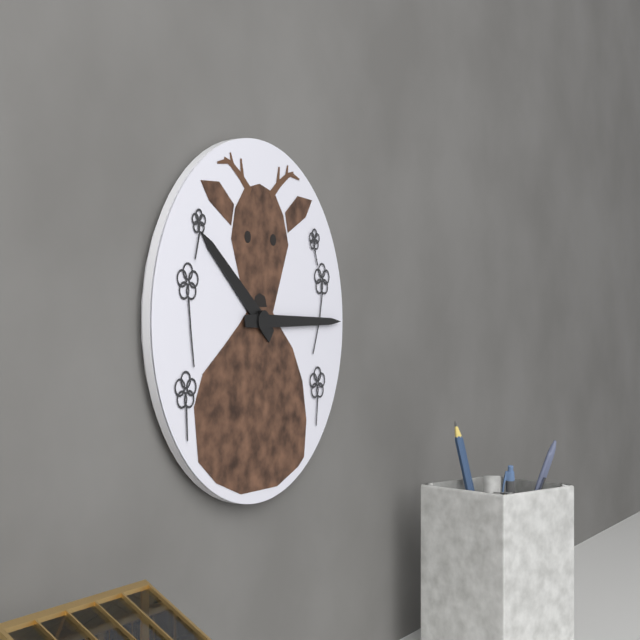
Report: 10:15
